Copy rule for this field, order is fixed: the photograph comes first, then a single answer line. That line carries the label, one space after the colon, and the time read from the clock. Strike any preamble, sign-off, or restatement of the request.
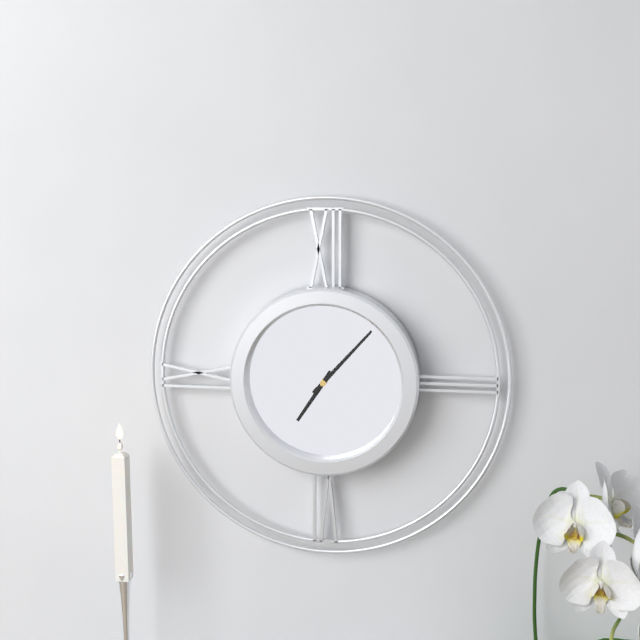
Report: 7:07
